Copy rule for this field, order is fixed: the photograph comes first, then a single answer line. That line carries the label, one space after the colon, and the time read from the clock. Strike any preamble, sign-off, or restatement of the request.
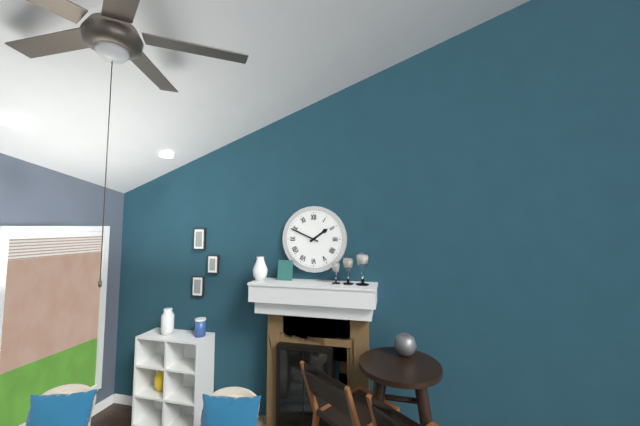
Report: 1:49
